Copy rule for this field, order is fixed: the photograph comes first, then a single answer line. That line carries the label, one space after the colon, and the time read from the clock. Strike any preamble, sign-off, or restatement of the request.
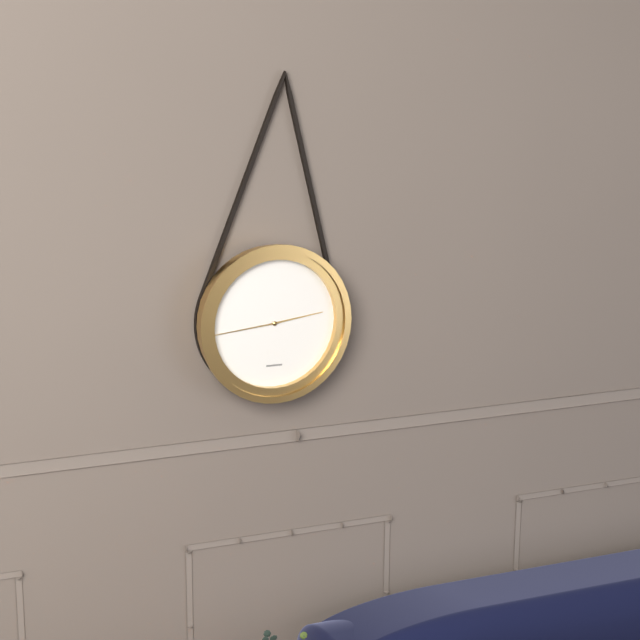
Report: 2:44
